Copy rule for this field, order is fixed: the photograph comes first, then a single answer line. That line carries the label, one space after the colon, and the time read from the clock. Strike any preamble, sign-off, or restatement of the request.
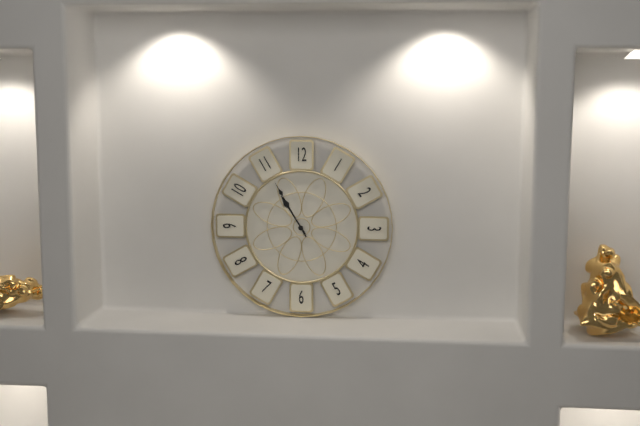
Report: 10:55
